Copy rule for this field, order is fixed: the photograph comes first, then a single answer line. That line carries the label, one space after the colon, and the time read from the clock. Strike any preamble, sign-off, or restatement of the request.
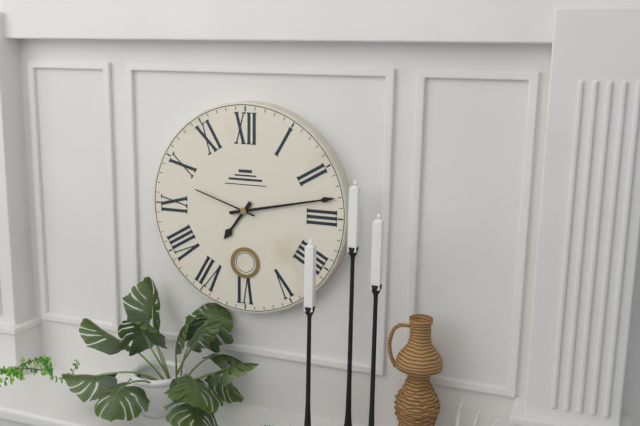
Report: 7:13:48
